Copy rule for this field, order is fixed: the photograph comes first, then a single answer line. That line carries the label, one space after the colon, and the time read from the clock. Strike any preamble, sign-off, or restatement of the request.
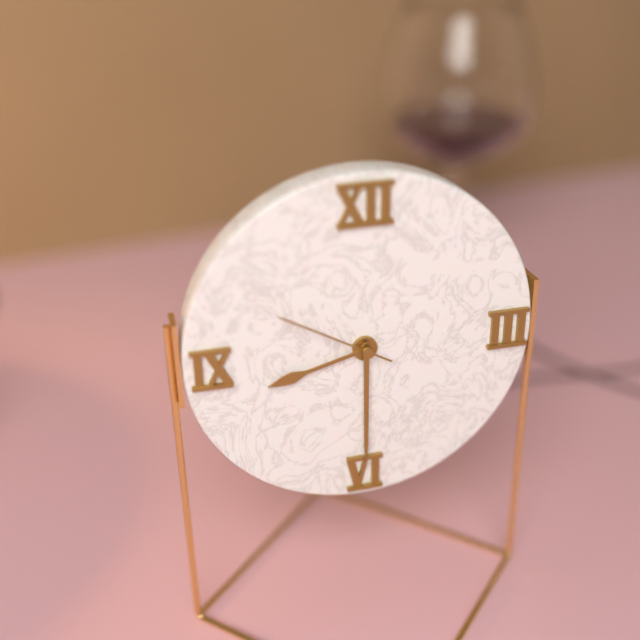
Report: 8:30:50
